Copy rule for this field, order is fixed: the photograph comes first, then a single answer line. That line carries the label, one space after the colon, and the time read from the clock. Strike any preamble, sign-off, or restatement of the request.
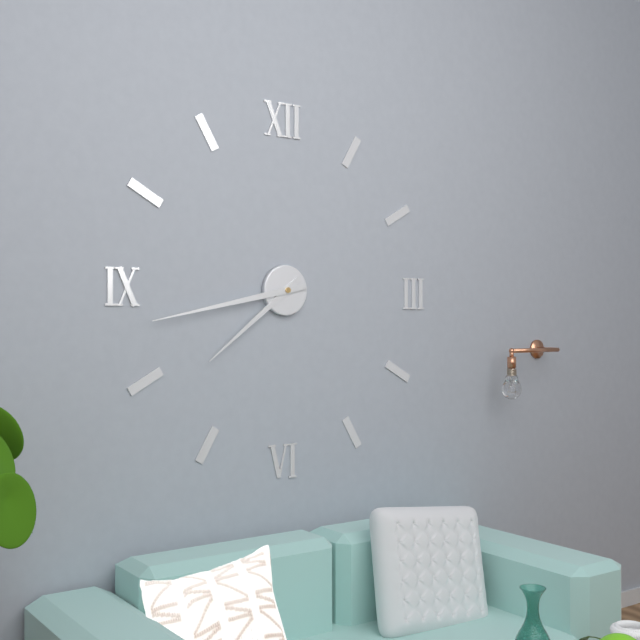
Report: 7:43
